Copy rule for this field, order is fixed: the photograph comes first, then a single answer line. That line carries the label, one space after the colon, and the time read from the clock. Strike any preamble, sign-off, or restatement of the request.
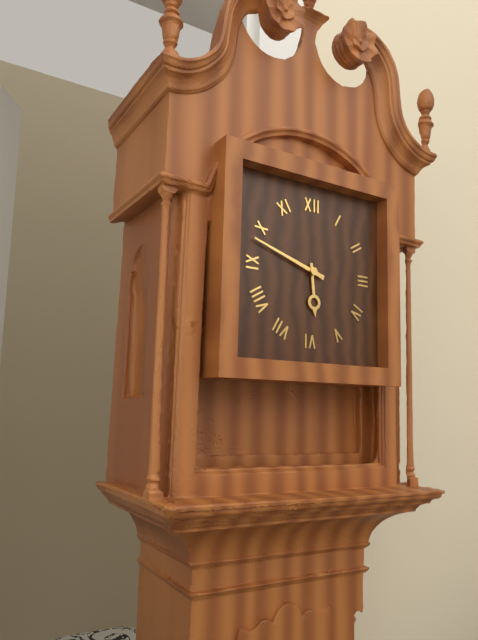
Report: 5:48
